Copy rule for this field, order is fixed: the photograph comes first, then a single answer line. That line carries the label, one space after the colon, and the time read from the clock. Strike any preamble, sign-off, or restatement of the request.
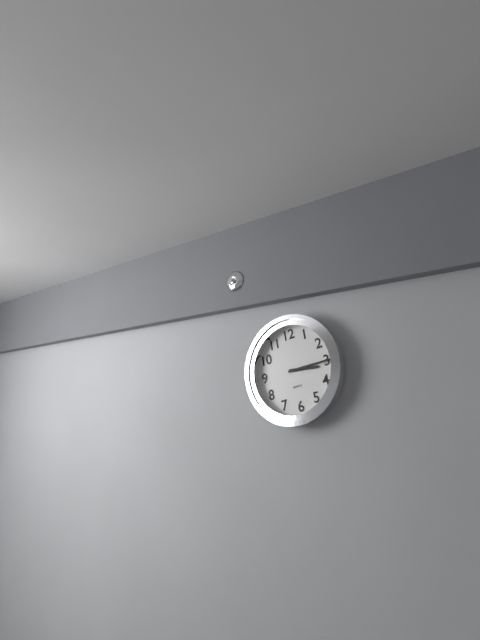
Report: 3:15
